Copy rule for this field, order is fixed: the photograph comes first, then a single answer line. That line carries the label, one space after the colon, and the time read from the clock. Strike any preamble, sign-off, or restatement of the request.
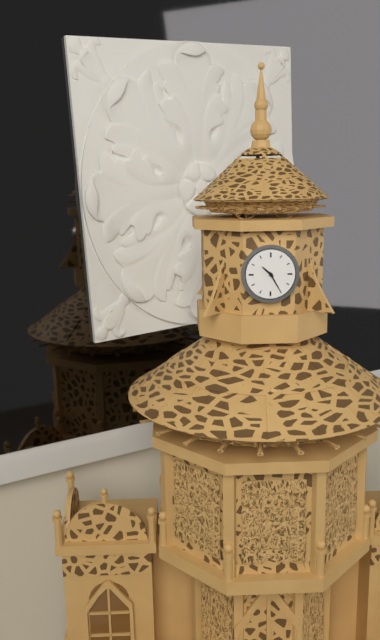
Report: 10:25
